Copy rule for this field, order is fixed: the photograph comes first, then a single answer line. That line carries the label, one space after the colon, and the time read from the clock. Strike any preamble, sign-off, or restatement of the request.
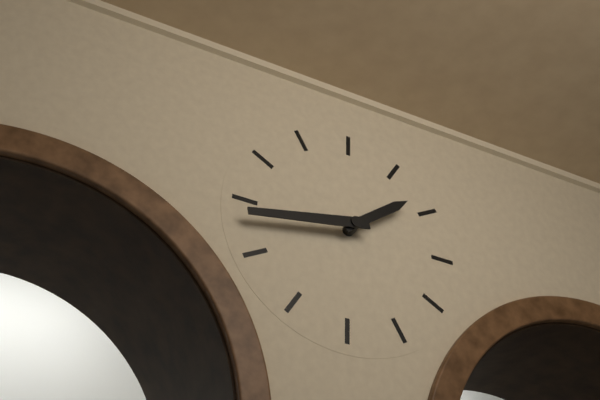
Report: 1:43
